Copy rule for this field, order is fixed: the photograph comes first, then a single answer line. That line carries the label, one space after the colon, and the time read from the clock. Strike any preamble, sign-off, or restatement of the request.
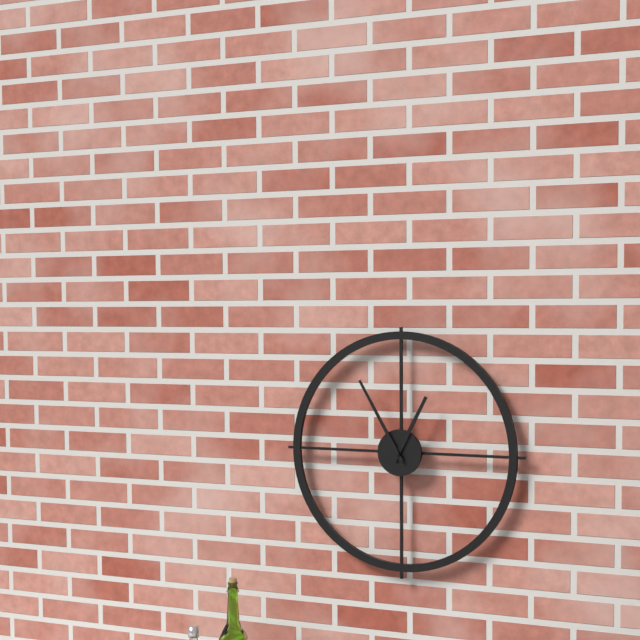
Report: 12:55
